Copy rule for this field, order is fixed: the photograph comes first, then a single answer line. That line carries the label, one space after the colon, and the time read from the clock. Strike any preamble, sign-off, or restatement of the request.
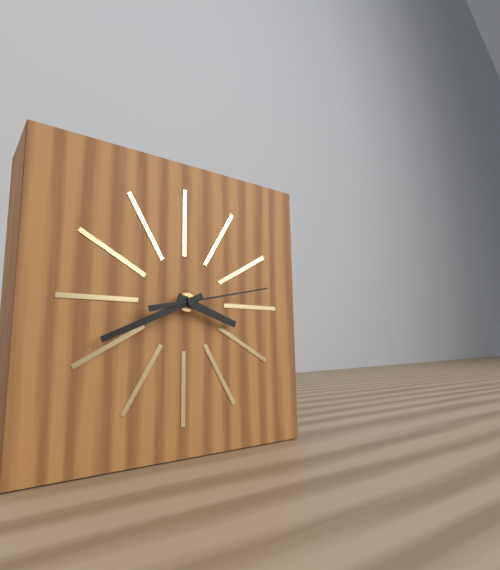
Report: 3:41:13
